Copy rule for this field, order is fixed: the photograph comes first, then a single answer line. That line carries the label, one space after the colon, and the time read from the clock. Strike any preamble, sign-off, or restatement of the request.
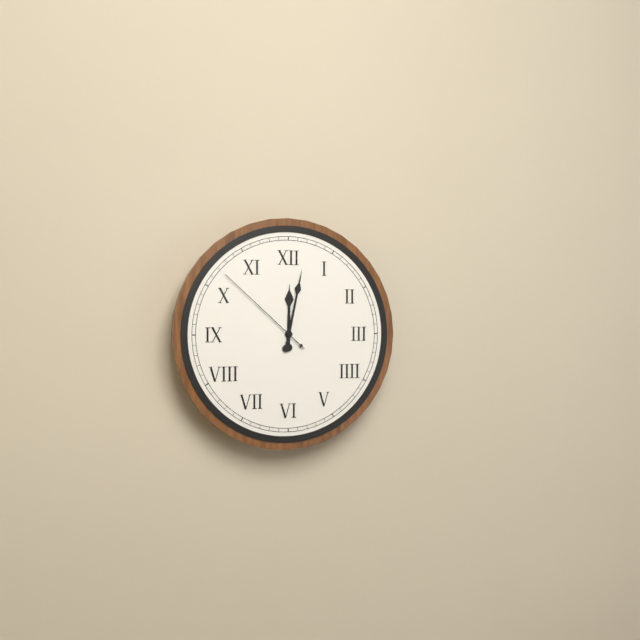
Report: 12:02:52
